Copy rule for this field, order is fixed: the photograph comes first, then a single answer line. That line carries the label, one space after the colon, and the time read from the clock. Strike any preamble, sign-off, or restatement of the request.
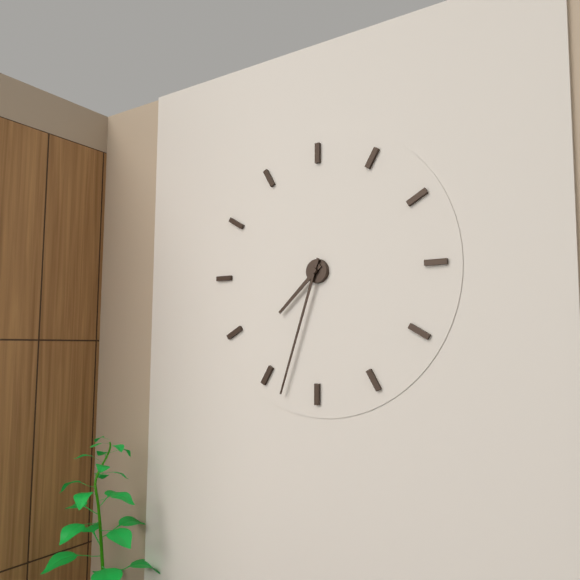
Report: 7:33
